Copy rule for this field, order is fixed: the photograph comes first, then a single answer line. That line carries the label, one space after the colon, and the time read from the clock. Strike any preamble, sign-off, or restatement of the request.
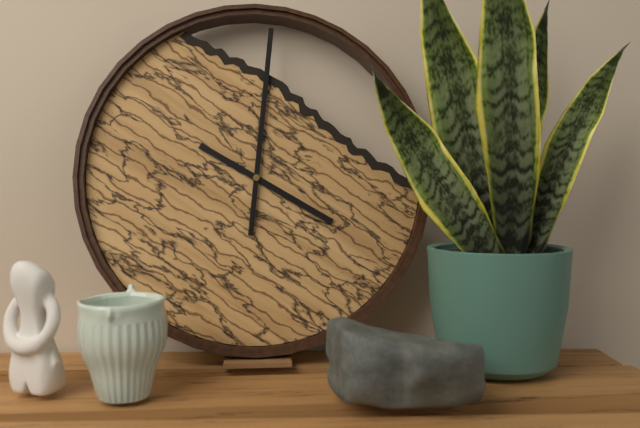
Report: 4:01
